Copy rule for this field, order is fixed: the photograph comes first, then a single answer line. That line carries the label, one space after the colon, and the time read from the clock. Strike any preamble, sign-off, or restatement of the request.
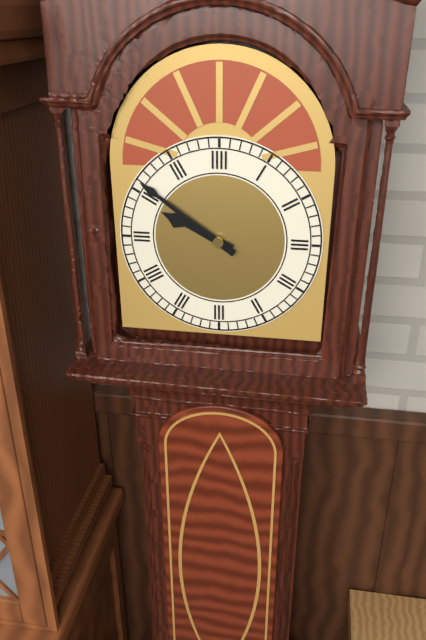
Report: 9:51
